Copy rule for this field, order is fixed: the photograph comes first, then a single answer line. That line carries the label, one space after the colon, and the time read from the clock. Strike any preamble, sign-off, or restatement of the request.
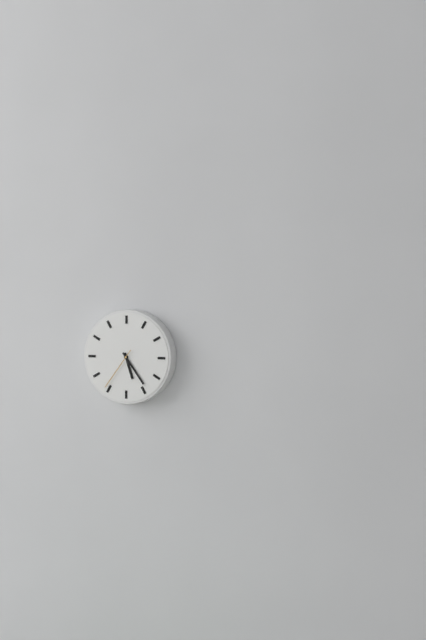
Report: 5:24
